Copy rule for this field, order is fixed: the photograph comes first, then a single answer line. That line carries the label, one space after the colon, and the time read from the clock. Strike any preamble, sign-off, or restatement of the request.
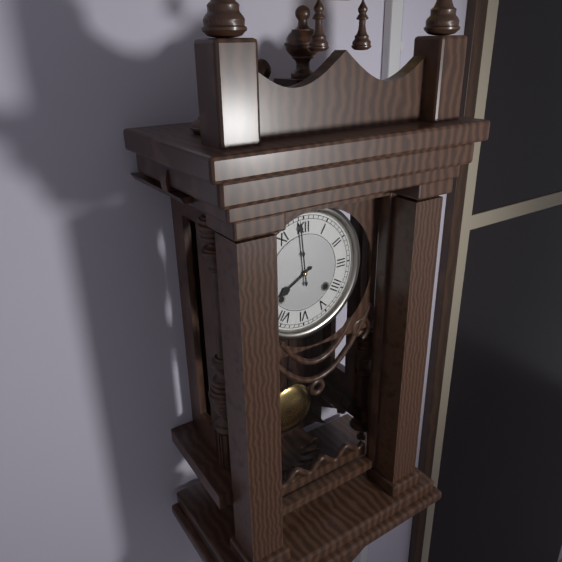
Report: 7:59
